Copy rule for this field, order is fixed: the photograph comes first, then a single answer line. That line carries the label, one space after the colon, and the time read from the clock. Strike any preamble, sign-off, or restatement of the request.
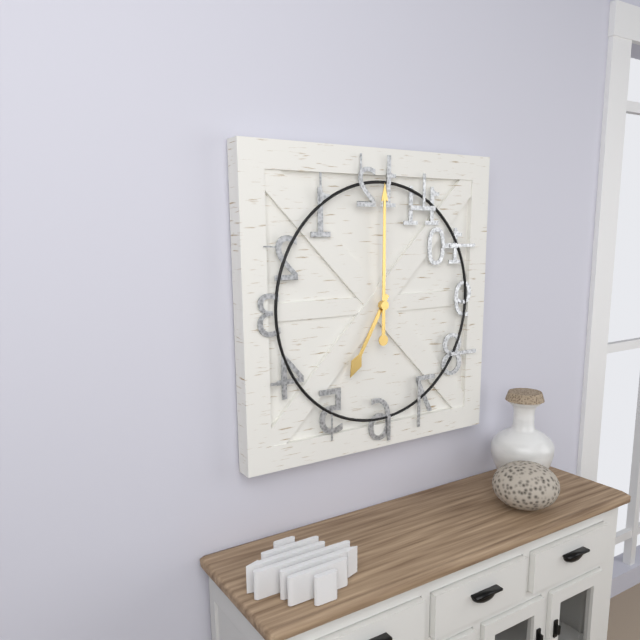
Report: 7:00
